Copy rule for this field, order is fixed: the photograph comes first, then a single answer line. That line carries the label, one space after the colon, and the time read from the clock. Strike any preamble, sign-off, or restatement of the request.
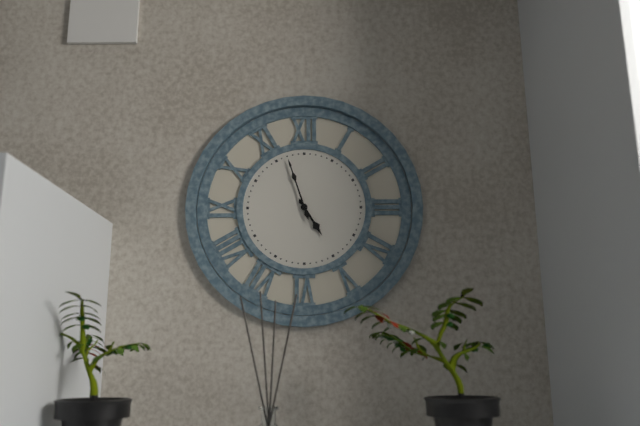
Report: 4:57
